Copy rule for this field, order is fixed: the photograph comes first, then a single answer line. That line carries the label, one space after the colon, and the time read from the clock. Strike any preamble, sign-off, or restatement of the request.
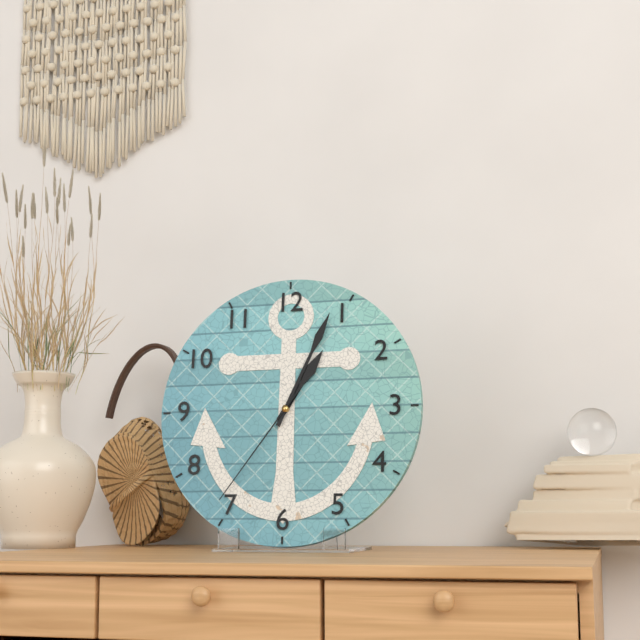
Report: 1:04:36
